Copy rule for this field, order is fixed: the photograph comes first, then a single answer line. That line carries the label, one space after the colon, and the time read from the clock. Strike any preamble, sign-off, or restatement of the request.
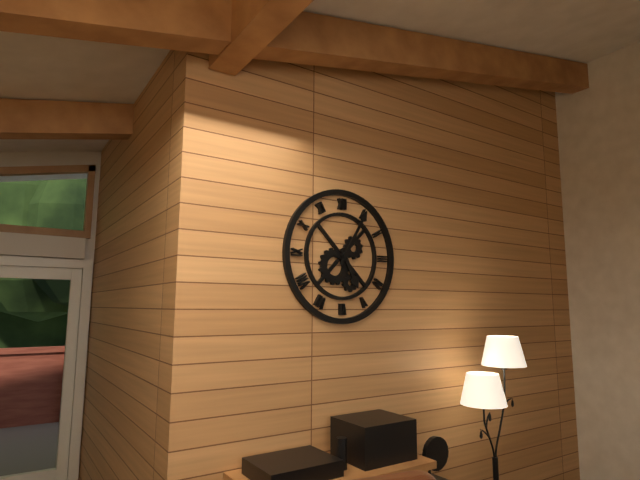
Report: 5:05
